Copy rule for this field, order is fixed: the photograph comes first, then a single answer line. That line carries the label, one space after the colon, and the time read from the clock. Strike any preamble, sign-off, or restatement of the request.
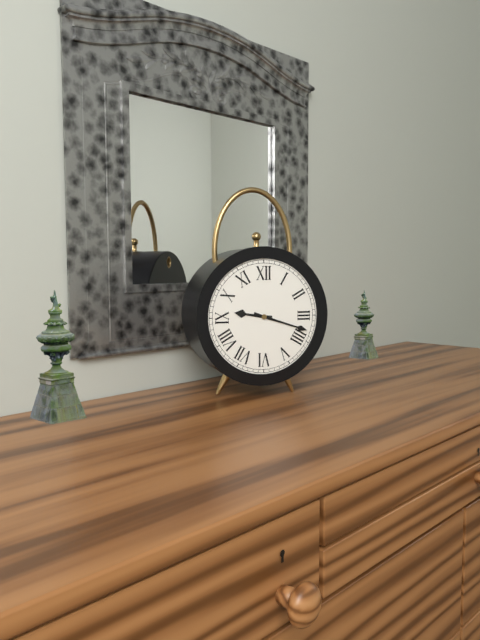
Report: 9:18
